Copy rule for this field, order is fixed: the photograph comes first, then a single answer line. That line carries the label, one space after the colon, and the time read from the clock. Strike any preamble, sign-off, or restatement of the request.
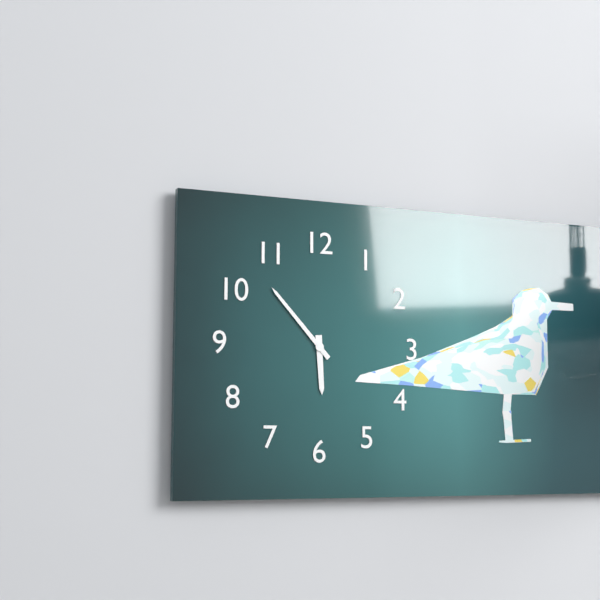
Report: 5:53
